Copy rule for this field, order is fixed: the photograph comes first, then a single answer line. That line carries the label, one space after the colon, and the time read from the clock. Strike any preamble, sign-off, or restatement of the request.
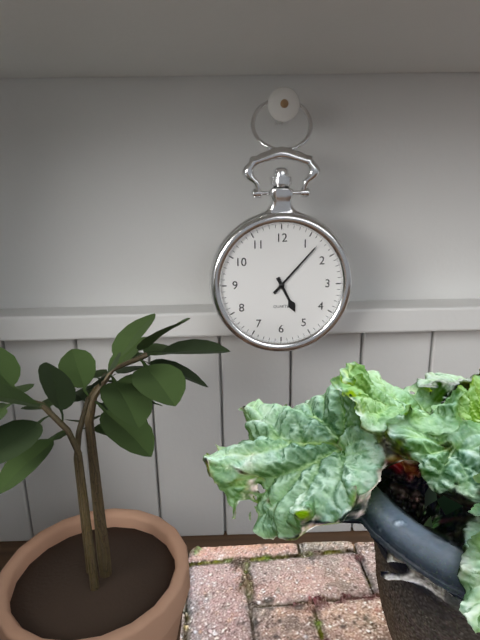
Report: 5:07
